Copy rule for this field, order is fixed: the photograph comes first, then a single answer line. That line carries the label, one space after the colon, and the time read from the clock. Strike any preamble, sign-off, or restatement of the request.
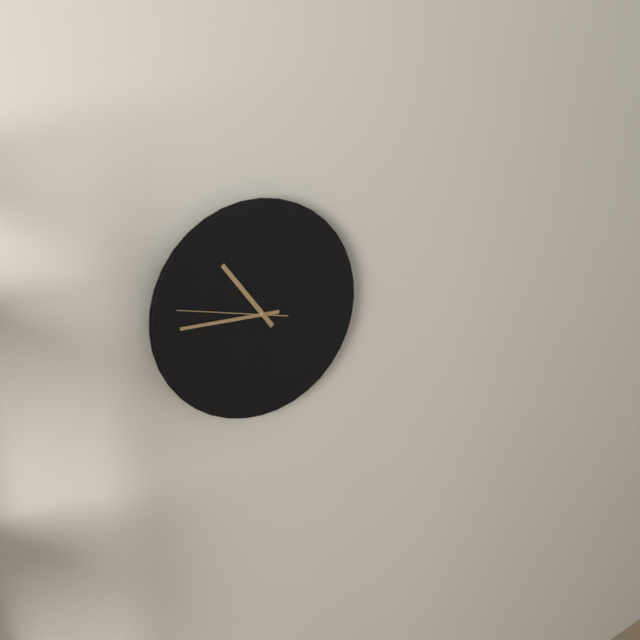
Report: 10:45:47
